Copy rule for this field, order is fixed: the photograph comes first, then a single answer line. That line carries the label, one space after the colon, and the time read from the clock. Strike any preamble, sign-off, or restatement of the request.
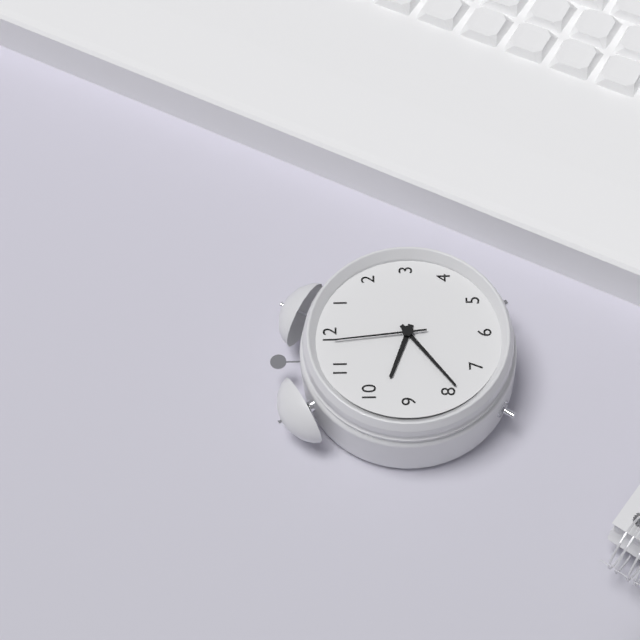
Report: 9:39:59
